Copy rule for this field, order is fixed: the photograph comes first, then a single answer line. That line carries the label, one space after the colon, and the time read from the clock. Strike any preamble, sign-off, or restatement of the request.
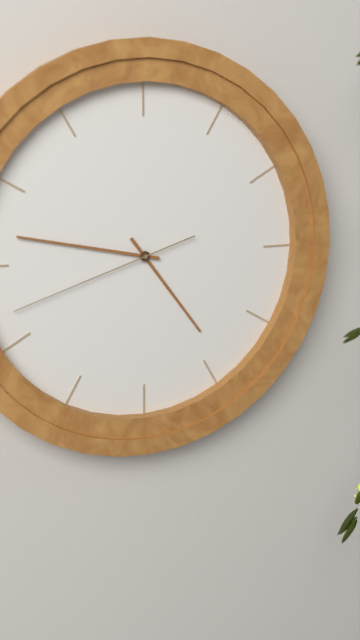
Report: 4:47:42
